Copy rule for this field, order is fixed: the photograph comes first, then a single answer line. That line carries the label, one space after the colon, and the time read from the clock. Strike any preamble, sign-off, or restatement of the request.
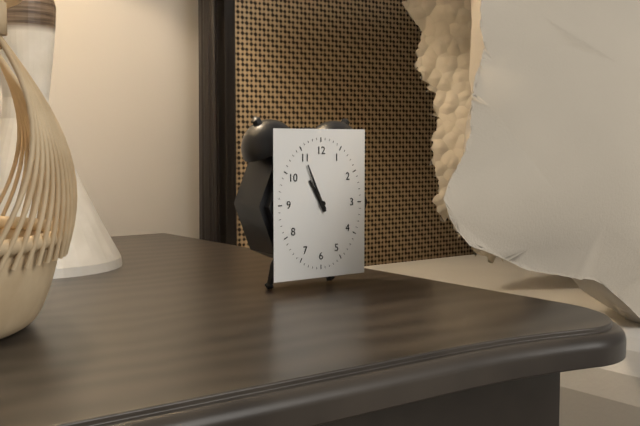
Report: 10:56
